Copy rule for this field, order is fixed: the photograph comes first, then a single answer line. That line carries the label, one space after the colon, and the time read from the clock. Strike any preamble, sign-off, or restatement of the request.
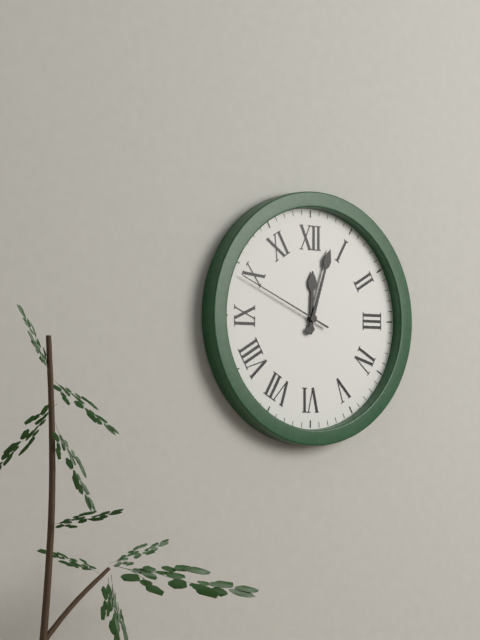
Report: 12:03:49
